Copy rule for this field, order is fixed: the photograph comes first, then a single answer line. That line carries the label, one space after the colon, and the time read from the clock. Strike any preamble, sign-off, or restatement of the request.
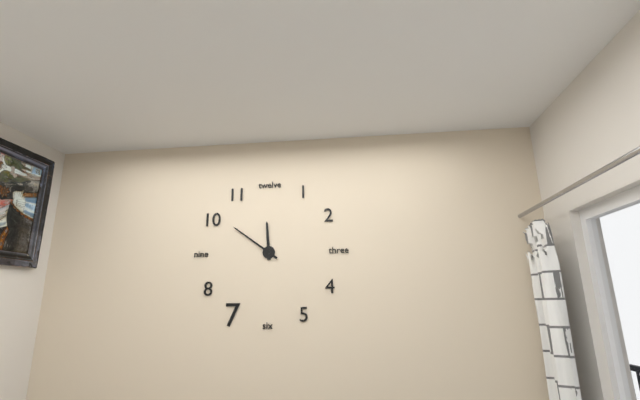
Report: 11:51
